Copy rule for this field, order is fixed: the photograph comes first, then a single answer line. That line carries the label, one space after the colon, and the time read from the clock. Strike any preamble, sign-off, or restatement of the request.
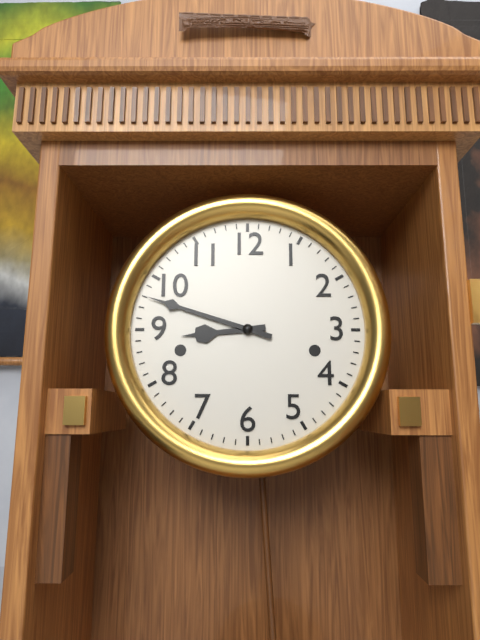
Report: 8:48
